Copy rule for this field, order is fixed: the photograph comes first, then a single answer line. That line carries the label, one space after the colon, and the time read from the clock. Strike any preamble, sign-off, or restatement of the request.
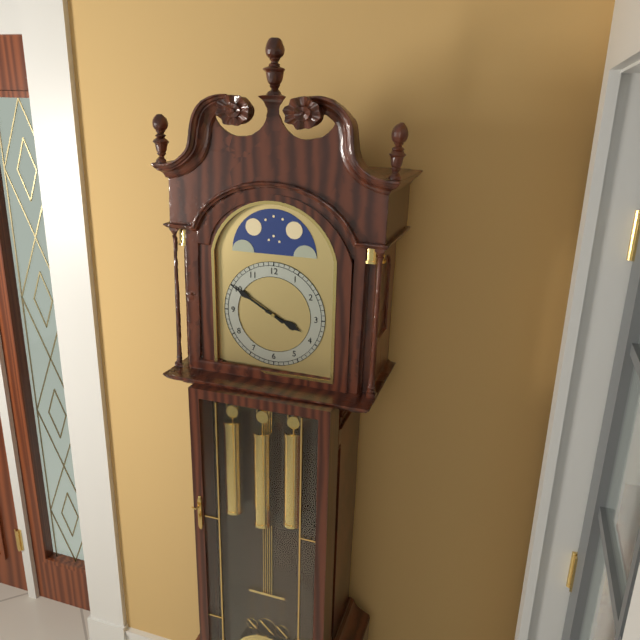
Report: 3:50
